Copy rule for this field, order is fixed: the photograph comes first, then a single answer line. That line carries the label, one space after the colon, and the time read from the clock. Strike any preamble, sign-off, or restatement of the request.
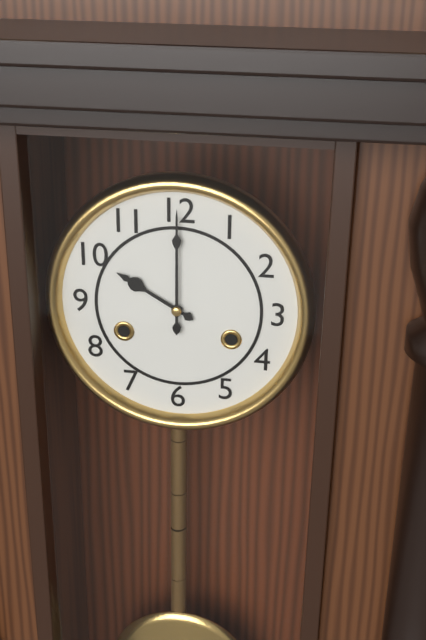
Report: 10:00
